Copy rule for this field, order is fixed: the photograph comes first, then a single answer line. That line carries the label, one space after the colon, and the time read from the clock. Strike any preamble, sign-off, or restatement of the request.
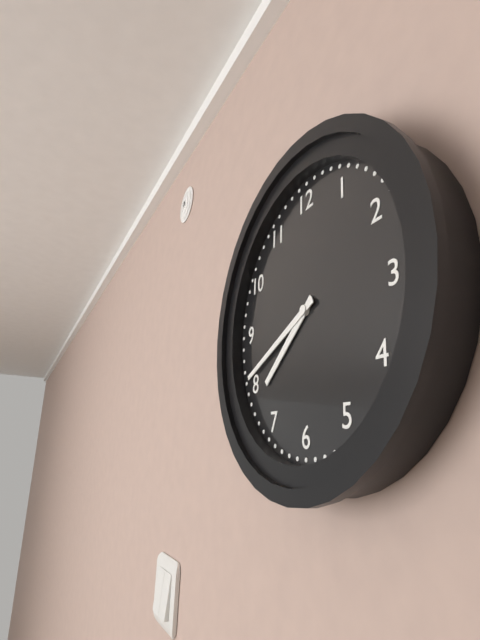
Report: 7:41
